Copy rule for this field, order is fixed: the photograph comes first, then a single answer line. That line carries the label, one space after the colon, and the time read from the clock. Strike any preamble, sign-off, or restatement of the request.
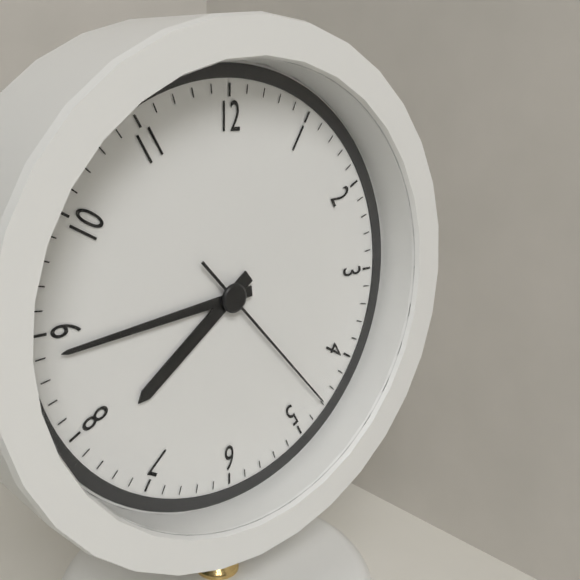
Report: 7:44:23
